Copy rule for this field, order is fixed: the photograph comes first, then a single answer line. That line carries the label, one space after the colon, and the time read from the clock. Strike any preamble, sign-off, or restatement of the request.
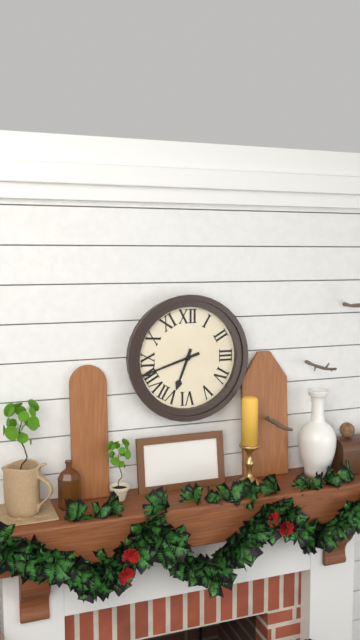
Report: 6:42
